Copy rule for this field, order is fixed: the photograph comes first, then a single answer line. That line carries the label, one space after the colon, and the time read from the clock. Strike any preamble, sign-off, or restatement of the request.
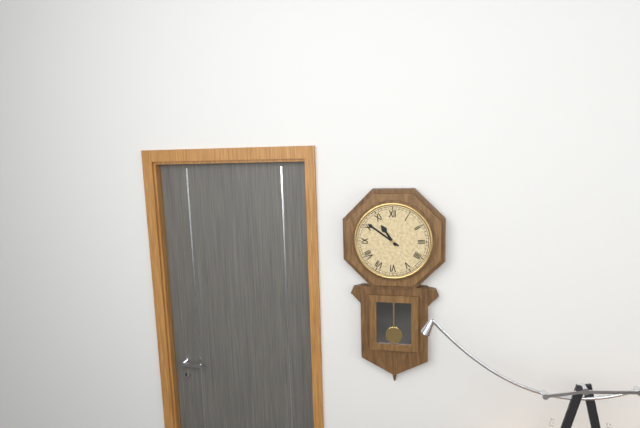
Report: 10:51
